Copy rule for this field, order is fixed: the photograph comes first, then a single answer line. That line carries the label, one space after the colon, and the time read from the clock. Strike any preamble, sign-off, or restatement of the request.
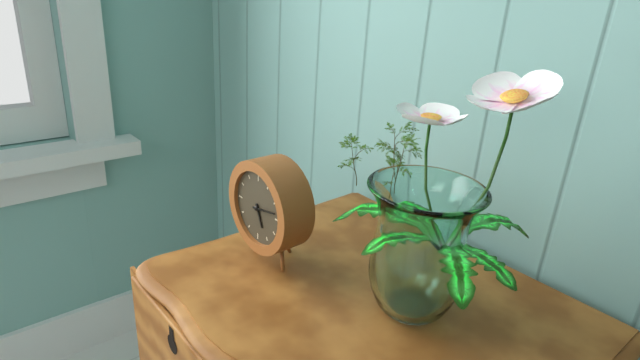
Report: 5:13
